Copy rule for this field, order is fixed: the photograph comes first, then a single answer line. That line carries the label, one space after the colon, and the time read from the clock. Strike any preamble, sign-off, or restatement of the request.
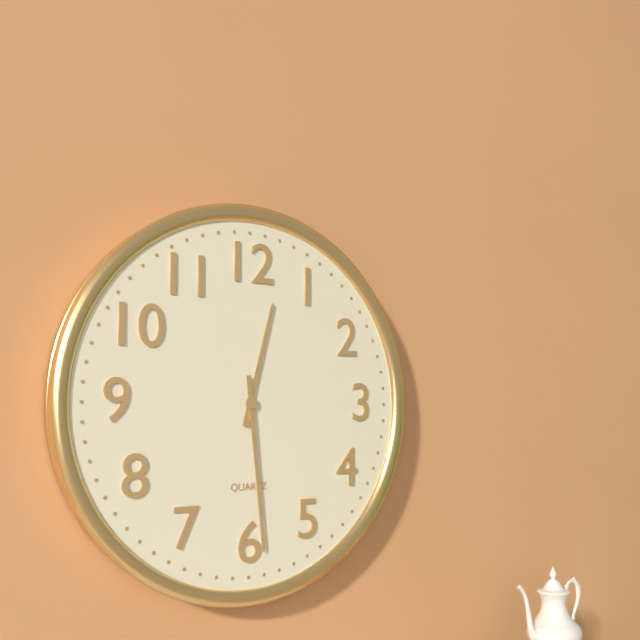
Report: 12:29
